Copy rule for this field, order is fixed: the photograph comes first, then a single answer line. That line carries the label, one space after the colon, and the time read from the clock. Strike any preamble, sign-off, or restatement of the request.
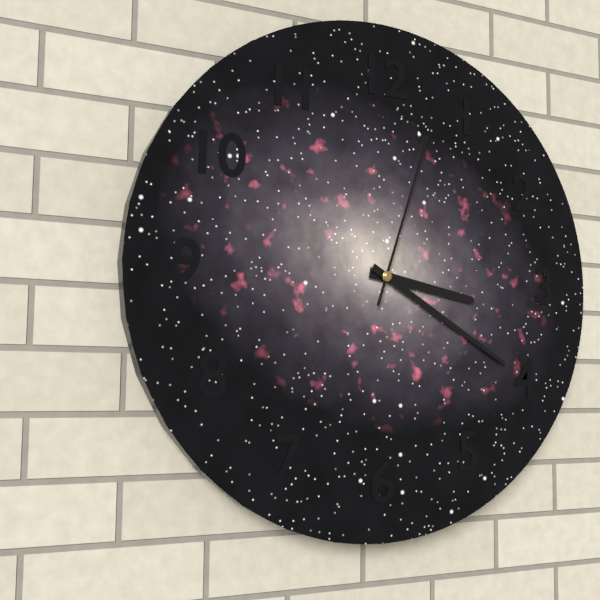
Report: 3:20:03
